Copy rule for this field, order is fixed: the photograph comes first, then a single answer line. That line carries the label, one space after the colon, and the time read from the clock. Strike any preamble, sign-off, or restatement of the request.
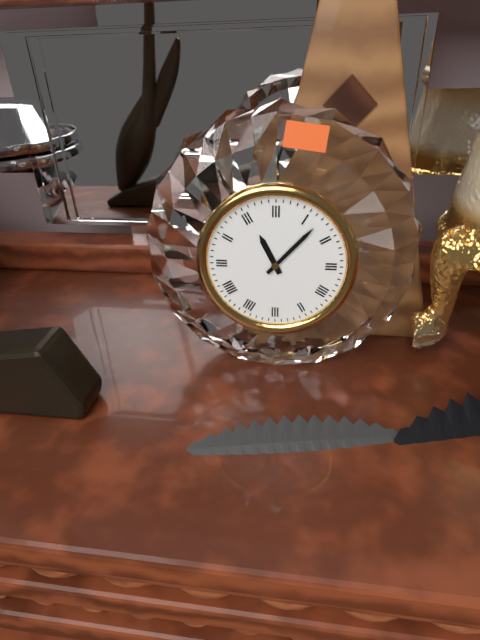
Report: 11:07
